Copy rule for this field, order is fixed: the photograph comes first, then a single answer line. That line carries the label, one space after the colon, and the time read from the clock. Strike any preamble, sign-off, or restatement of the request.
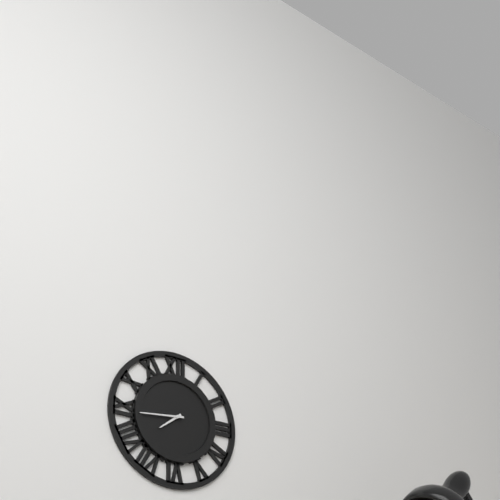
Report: 7:44
